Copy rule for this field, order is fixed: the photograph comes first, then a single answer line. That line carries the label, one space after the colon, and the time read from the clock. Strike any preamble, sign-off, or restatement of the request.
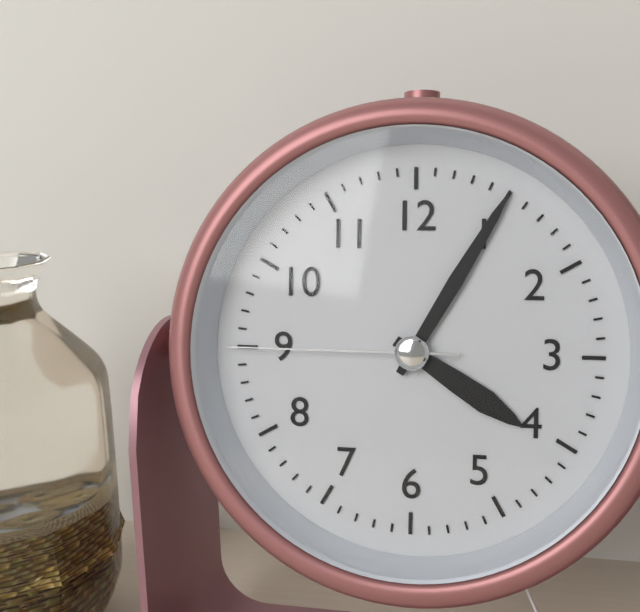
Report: 4:05:45
